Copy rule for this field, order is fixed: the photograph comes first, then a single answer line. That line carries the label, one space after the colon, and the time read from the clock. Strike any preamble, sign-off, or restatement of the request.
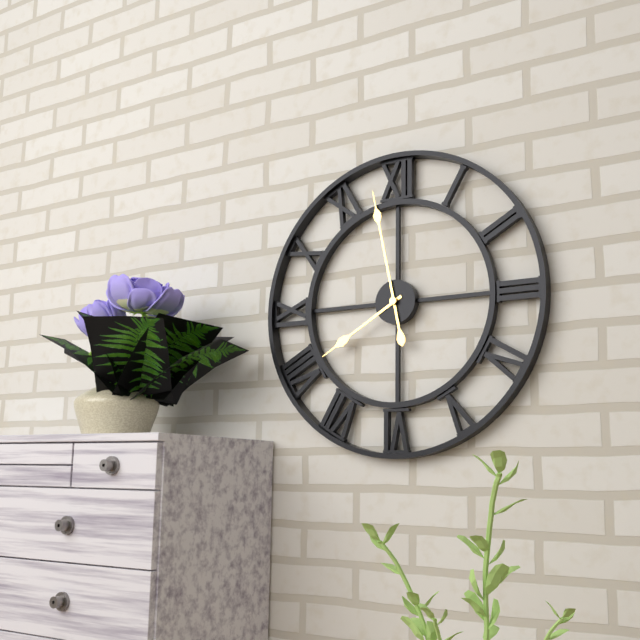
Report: 7:58
